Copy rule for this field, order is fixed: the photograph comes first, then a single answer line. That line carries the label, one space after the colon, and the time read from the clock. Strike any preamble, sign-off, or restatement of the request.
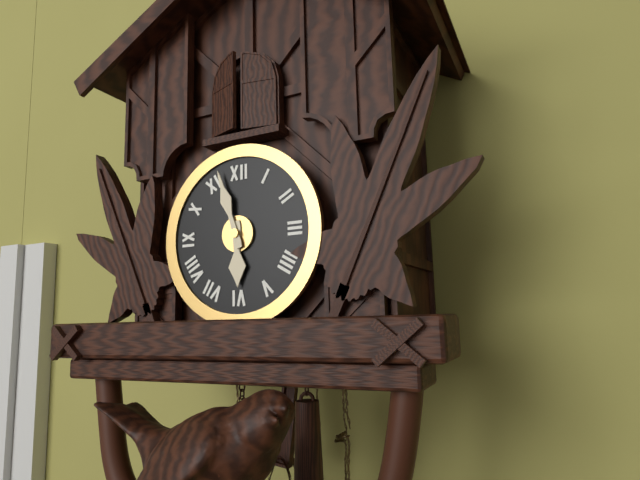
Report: 5:57
